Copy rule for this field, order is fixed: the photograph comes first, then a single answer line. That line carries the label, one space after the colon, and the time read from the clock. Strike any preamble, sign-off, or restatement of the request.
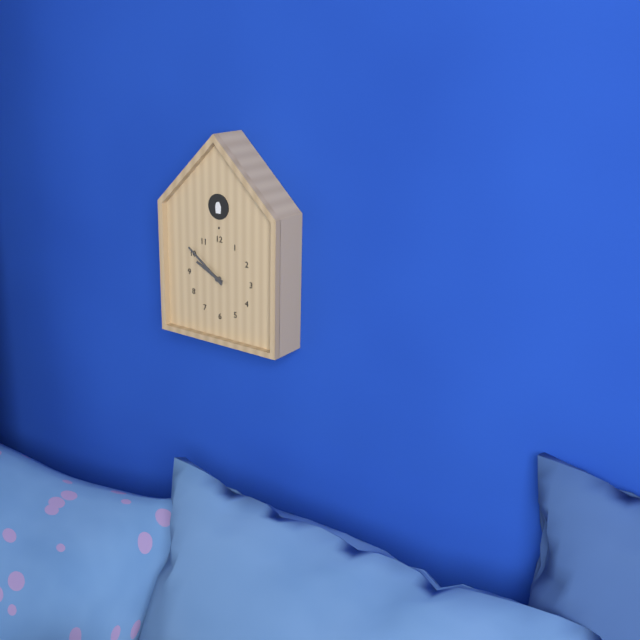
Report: 9:51
